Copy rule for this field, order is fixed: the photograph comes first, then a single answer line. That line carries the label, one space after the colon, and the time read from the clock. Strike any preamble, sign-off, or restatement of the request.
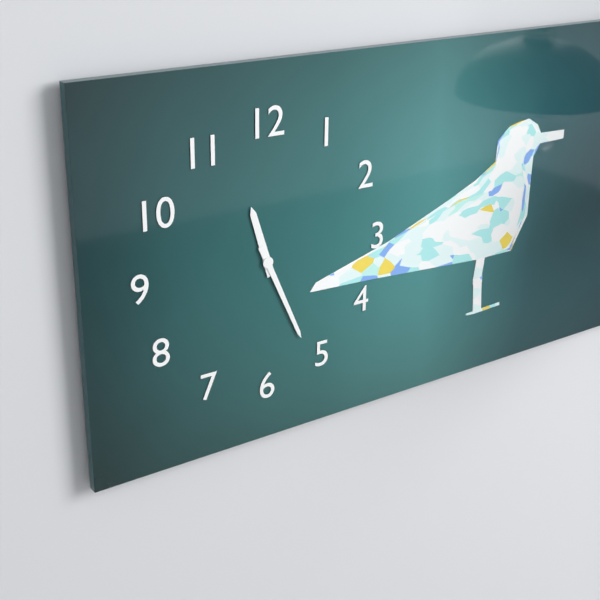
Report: 11:26
